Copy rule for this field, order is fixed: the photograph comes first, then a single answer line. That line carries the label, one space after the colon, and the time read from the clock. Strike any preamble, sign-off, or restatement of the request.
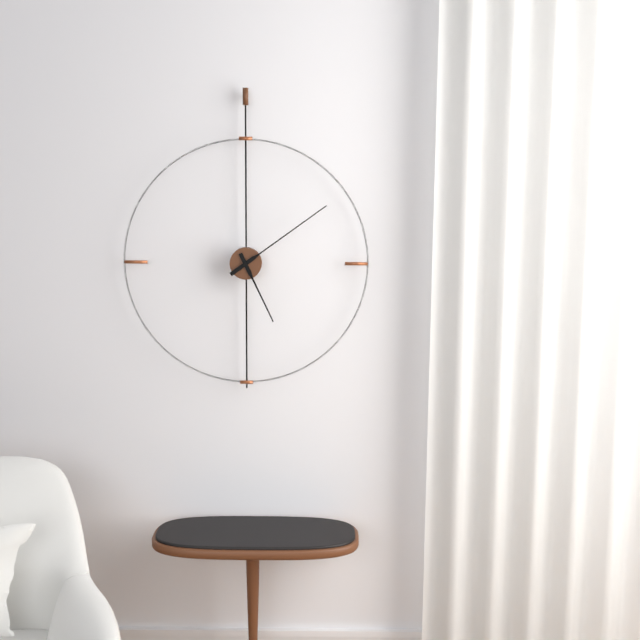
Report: 5:09
